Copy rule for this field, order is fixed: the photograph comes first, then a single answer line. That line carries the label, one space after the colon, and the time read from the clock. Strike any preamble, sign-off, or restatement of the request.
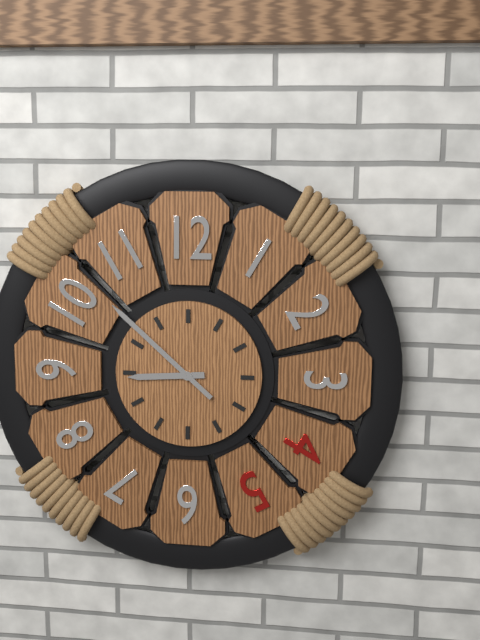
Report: 8:52
